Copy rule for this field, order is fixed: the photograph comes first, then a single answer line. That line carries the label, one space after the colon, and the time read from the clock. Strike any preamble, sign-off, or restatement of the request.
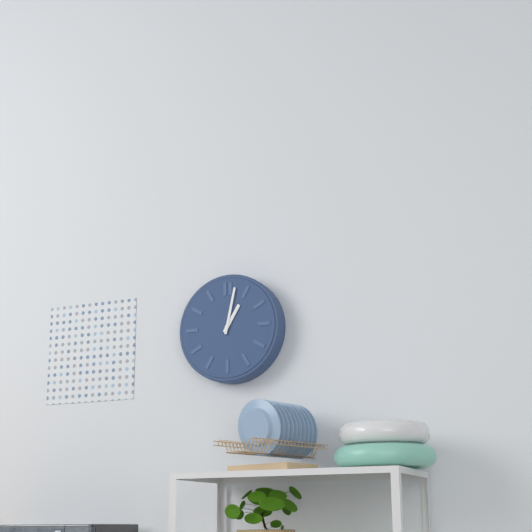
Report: 1:02
